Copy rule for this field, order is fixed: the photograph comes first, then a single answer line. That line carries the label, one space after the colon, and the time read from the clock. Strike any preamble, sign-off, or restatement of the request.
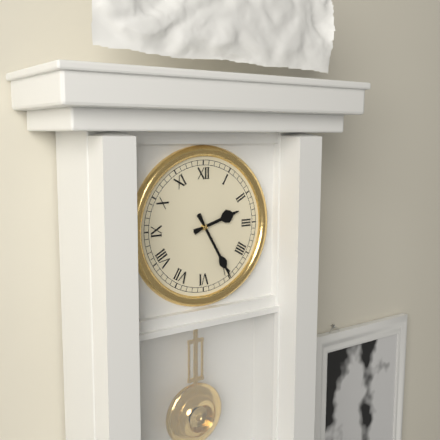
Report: 2:25
